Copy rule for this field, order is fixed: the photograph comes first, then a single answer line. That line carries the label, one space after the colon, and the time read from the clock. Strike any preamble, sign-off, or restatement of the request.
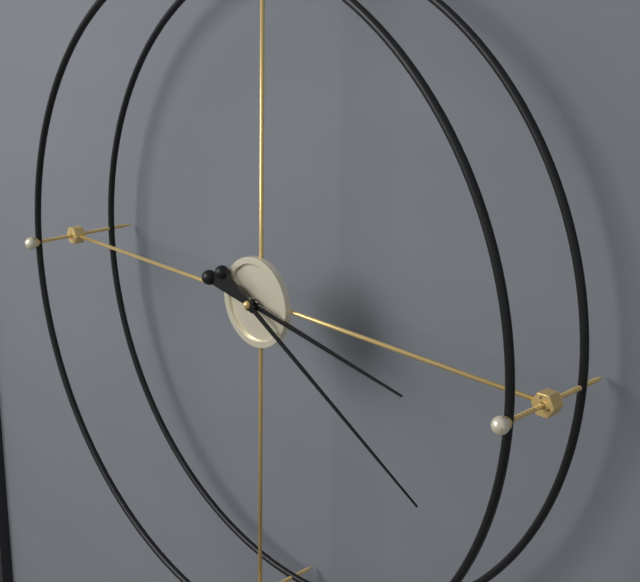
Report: 3:20
